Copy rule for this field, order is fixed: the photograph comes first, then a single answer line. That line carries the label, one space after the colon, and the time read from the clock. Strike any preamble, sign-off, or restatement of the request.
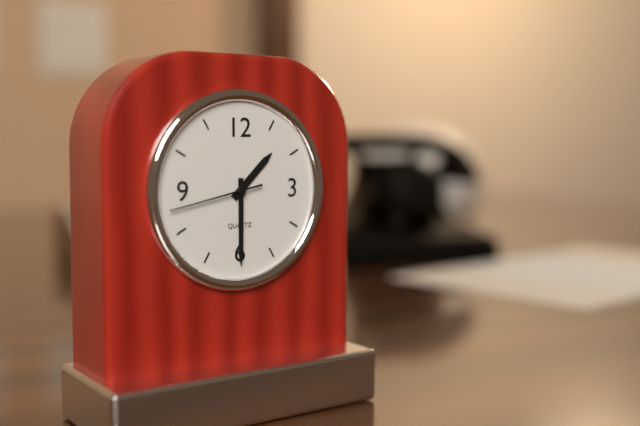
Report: 1:30:43
